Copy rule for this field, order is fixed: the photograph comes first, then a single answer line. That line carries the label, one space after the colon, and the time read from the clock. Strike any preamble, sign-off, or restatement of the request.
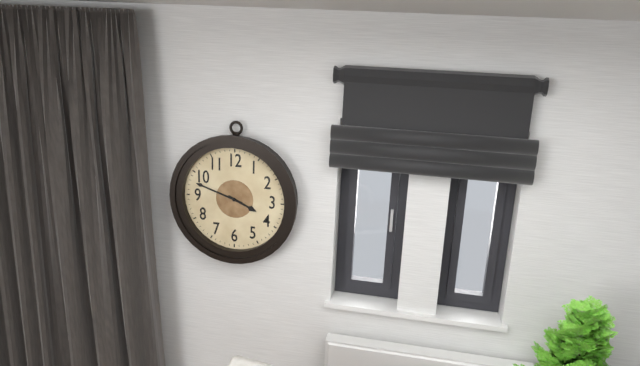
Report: 3:48
